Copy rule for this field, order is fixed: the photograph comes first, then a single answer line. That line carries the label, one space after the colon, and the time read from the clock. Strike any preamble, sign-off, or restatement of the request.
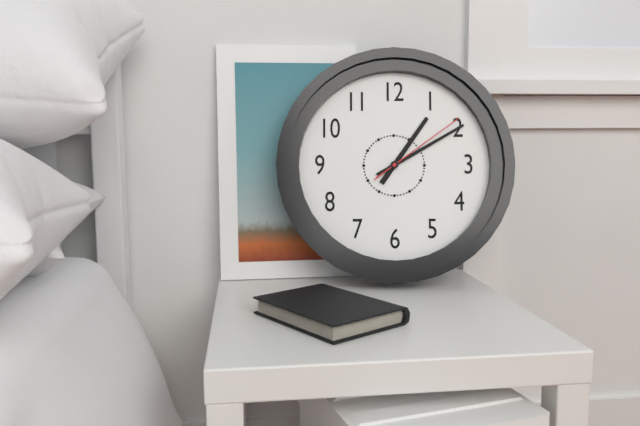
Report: 1:10:09
